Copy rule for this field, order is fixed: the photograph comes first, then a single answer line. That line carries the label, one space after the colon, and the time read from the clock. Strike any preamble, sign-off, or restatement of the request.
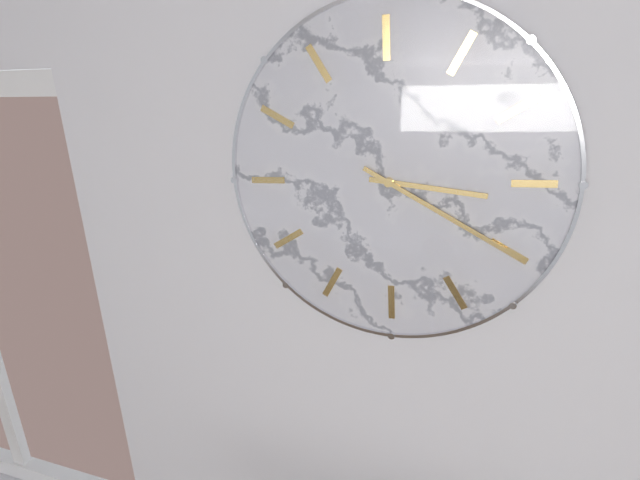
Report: 2:15
